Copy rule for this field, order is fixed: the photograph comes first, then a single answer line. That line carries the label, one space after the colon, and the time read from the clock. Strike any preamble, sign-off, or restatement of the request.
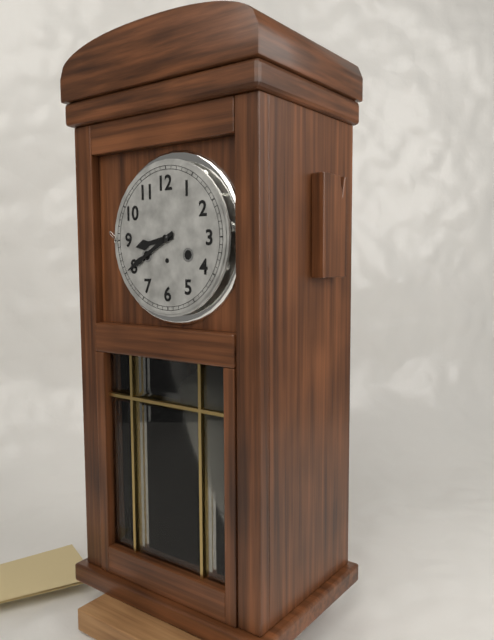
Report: 8:40
